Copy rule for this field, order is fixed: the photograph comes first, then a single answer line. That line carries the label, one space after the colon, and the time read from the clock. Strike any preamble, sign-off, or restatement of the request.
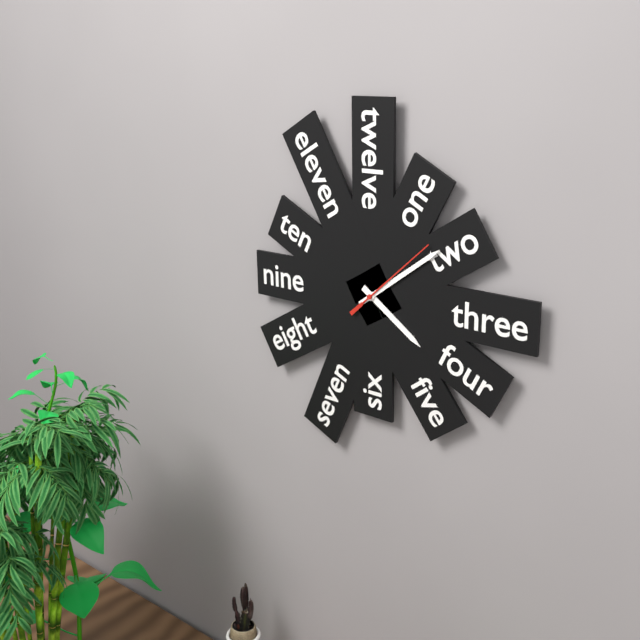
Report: 4:09:08
